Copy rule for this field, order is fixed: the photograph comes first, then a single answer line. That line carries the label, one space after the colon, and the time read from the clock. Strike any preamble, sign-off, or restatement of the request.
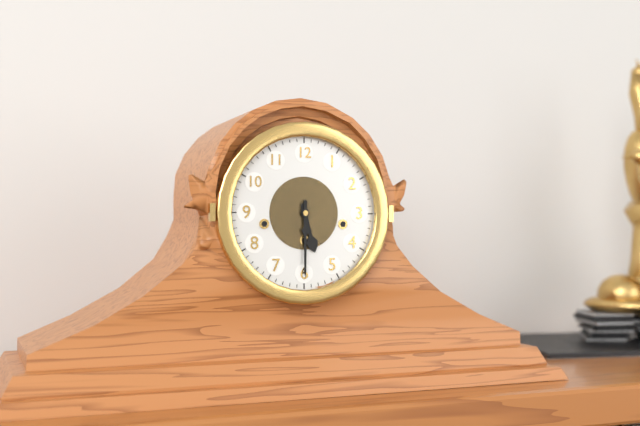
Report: 5:30
